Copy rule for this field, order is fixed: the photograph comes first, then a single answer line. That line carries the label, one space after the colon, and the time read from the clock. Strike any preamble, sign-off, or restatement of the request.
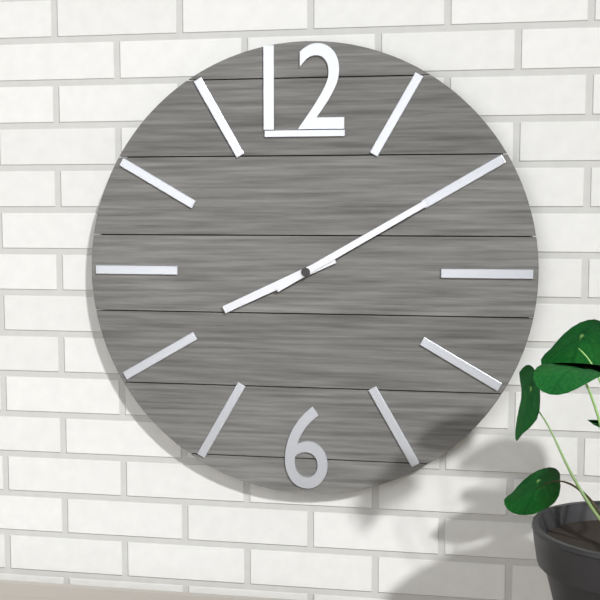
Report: 8:10
